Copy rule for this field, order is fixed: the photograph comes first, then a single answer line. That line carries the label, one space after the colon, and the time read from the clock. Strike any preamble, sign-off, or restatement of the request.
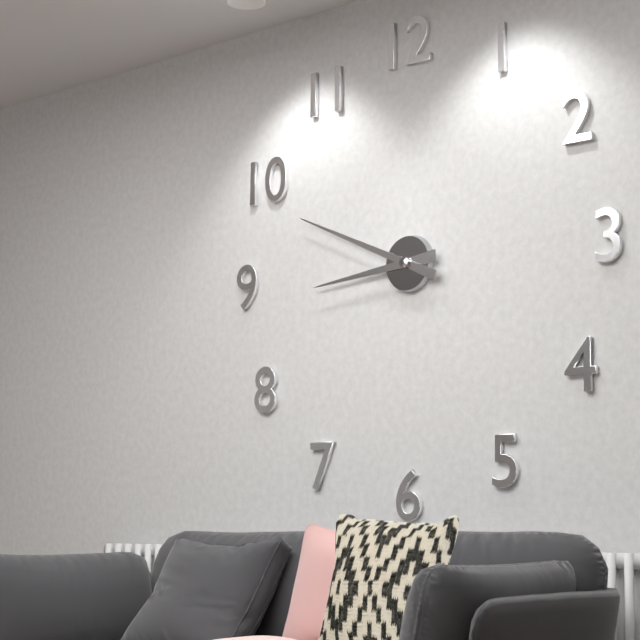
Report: 8:49
